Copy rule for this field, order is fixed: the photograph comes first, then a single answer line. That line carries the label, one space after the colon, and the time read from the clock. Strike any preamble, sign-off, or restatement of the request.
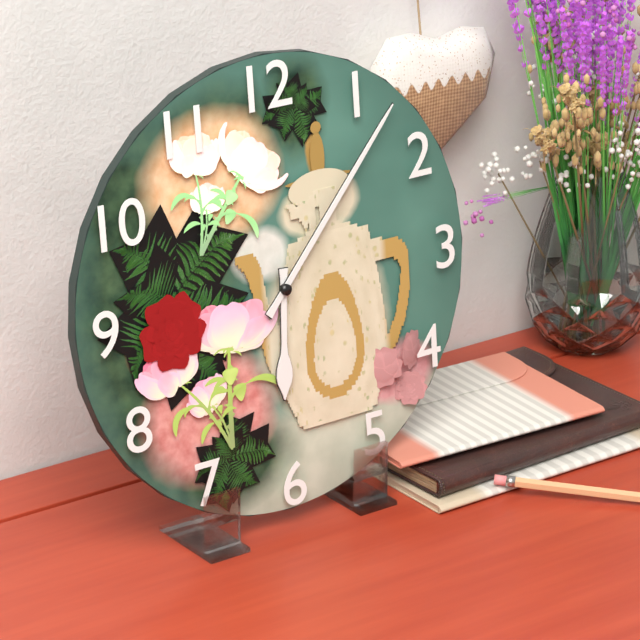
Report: 6:07
